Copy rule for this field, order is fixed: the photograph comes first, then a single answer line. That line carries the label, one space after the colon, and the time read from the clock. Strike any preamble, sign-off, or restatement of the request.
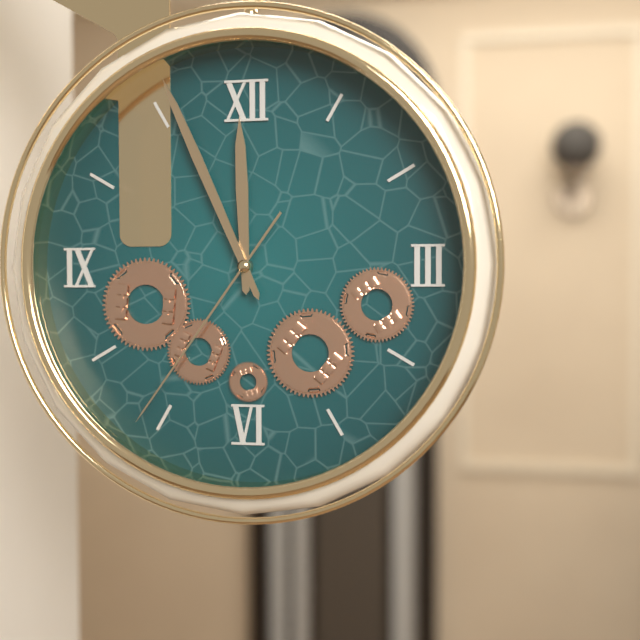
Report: 11:56:36
